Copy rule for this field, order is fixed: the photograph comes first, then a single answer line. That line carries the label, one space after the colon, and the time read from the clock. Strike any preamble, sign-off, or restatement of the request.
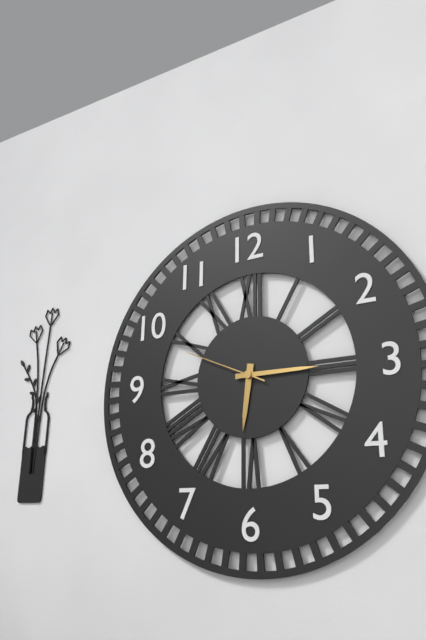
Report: 6:15:49
